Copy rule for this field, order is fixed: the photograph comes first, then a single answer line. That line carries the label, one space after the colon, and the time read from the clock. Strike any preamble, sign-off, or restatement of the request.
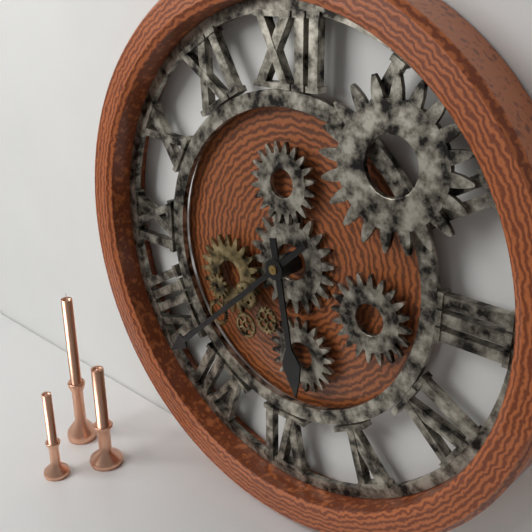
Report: 5:38
